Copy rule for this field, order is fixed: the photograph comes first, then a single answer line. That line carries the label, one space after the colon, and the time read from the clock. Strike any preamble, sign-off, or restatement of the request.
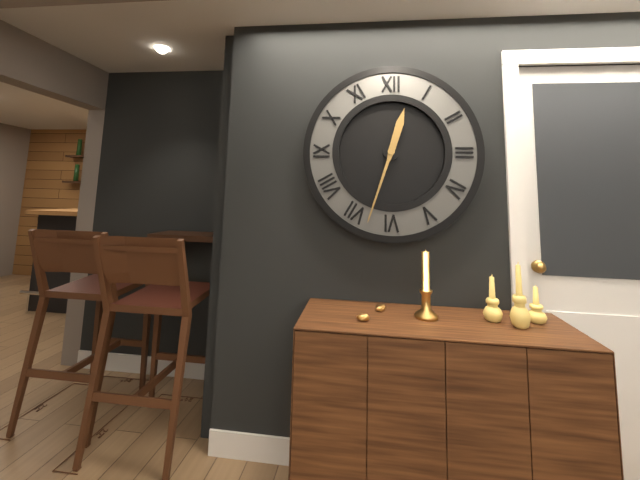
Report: 12:33
